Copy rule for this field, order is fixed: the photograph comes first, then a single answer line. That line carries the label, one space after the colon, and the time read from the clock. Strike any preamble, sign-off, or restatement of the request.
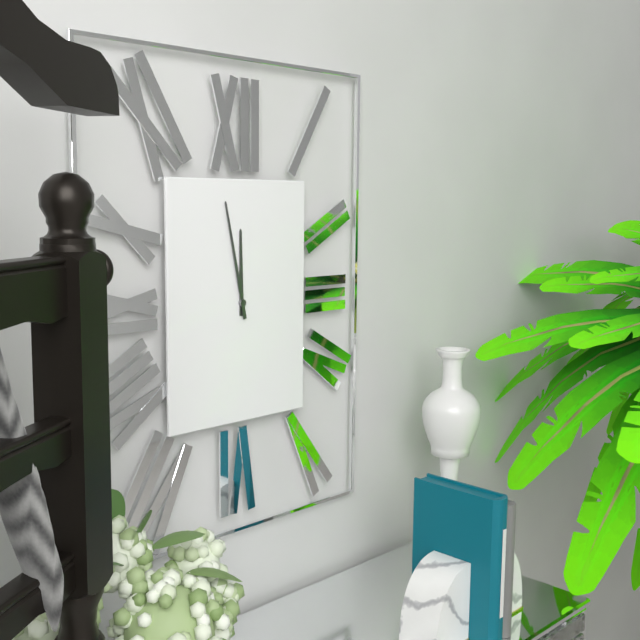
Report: 11:58
